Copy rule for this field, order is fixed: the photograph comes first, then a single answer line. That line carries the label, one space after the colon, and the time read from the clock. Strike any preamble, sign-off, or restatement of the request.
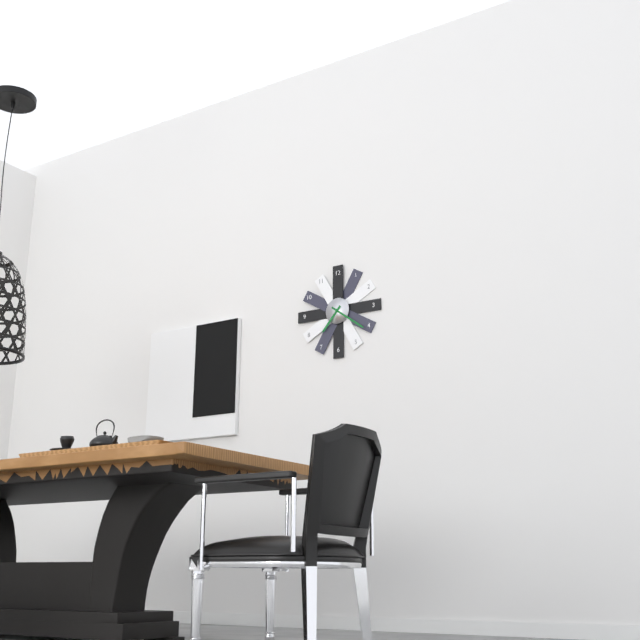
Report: 7:21
